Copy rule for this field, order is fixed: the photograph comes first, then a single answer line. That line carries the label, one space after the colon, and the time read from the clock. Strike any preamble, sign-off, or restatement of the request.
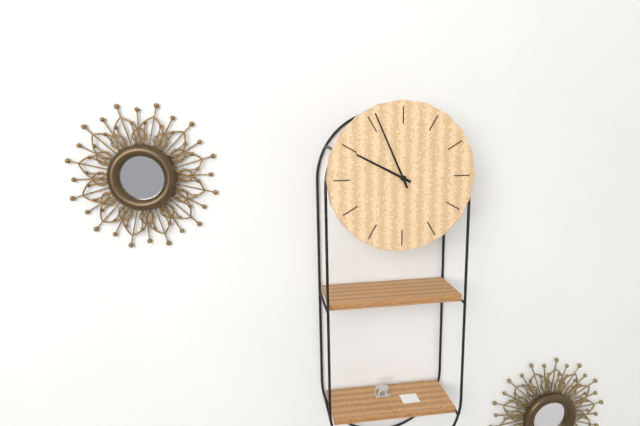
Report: 9:56
